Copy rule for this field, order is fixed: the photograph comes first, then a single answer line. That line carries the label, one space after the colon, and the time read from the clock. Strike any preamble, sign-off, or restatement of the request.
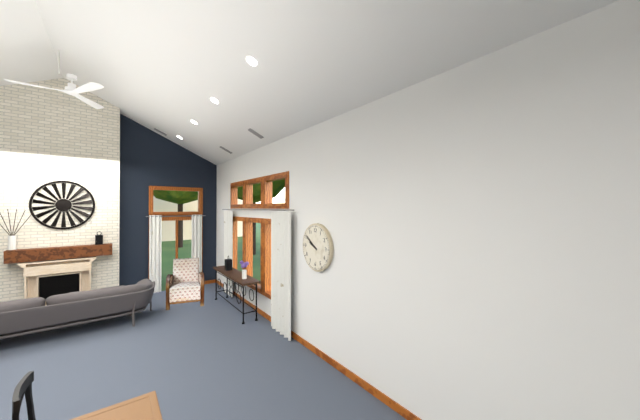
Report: 9:51
